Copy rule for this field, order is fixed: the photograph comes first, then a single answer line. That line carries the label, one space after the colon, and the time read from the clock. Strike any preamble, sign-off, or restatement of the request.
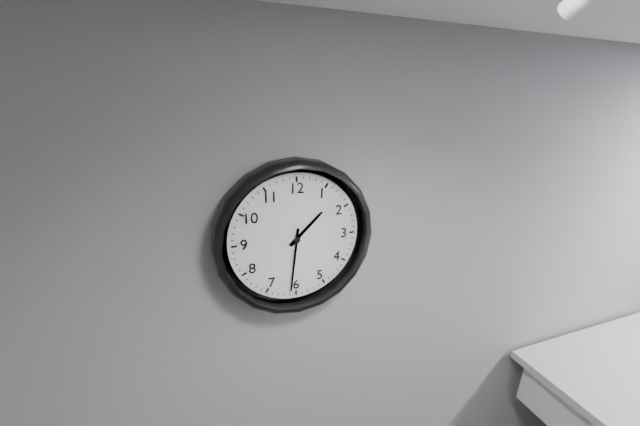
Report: 1:31
